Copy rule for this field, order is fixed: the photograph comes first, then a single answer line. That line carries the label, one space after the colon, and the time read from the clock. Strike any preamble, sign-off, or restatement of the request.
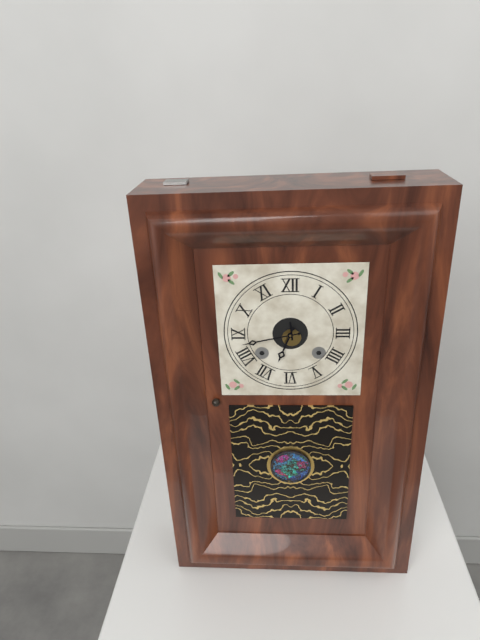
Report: 6:43
